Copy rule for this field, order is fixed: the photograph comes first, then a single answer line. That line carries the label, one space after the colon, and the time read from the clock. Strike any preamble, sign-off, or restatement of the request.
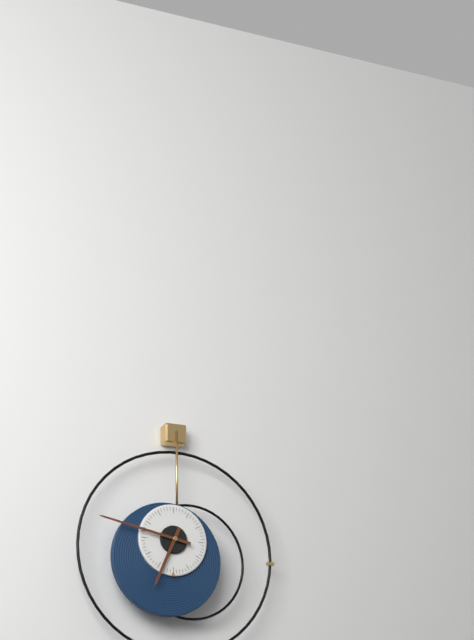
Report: 6:47
